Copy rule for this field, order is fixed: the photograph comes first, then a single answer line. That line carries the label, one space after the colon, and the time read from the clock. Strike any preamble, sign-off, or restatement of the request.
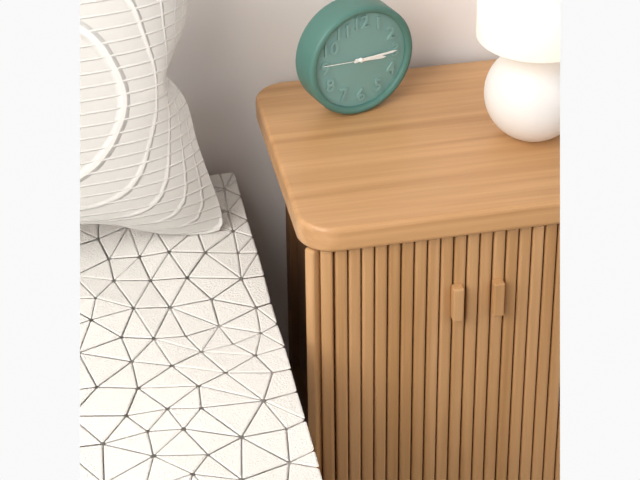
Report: 3:15
